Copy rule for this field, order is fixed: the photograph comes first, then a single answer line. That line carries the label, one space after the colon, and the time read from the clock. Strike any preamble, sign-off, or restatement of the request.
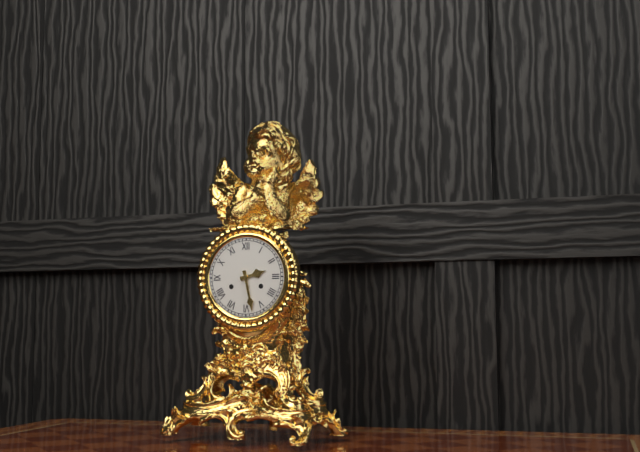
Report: 2:28
